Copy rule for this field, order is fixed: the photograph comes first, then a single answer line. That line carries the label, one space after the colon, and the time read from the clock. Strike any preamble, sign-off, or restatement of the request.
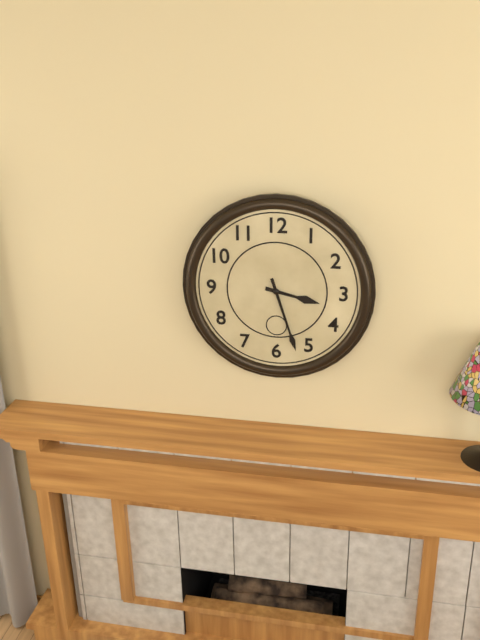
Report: 3:27
